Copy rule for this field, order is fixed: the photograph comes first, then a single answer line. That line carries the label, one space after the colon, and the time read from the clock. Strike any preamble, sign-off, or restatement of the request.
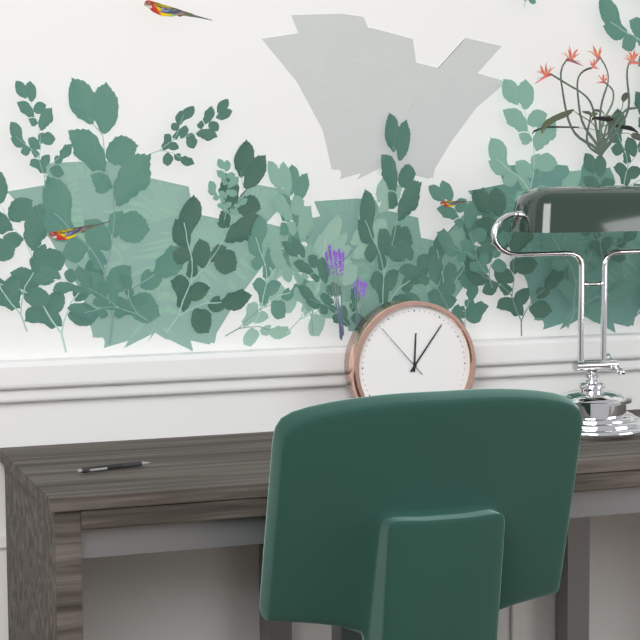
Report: 12:06:53
